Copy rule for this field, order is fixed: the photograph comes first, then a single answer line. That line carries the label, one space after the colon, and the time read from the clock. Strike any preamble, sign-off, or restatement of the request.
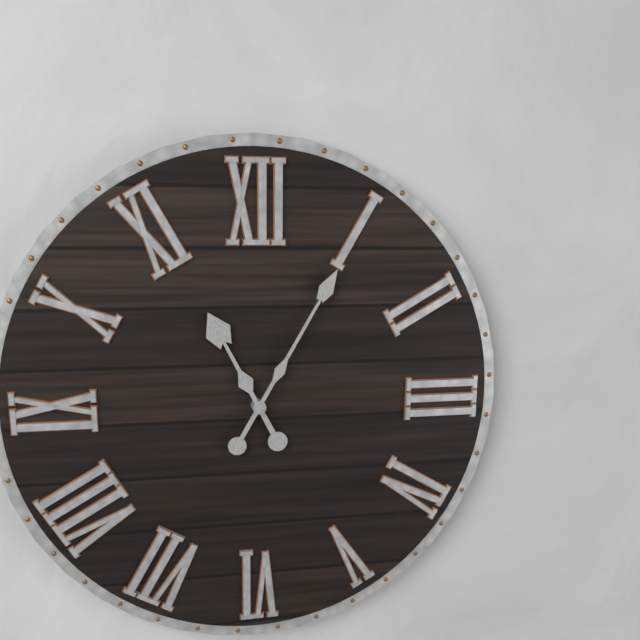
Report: 11:05
